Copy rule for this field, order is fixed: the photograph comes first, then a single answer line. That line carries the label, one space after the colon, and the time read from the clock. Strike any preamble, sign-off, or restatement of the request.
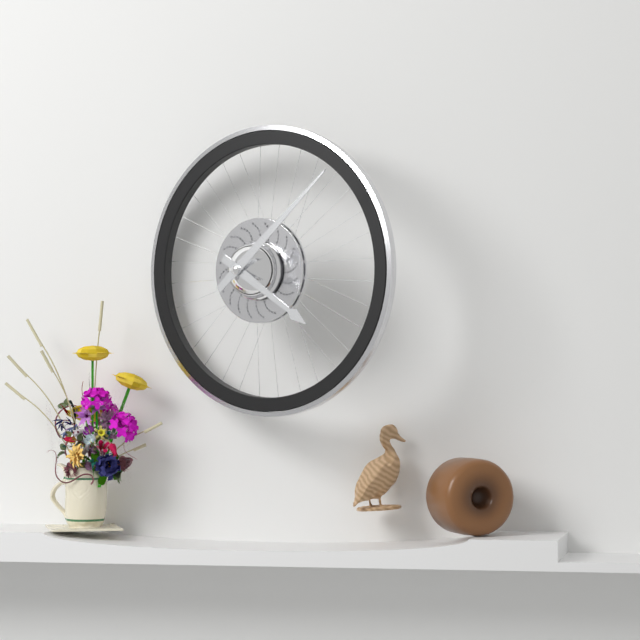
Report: 4:08
